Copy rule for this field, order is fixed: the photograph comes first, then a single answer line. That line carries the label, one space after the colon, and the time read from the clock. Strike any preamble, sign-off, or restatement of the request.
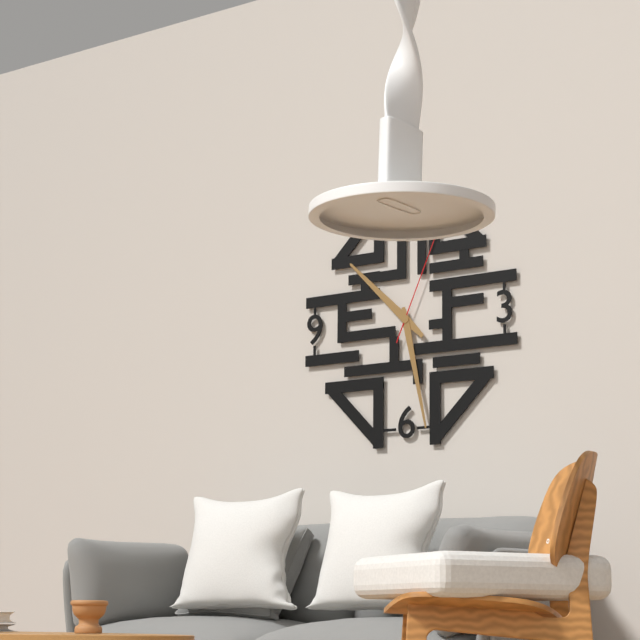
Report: 10:28:04
